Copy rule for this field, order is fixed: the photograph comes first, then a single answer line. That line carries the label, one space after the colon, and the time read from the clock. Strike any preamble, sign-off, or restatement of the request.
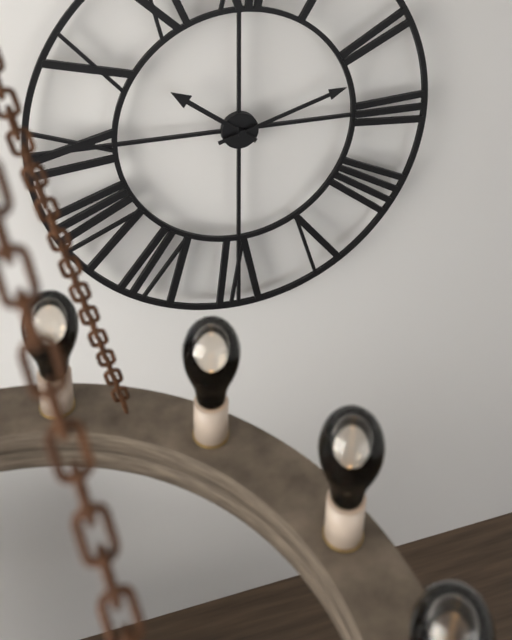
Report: 10:12
